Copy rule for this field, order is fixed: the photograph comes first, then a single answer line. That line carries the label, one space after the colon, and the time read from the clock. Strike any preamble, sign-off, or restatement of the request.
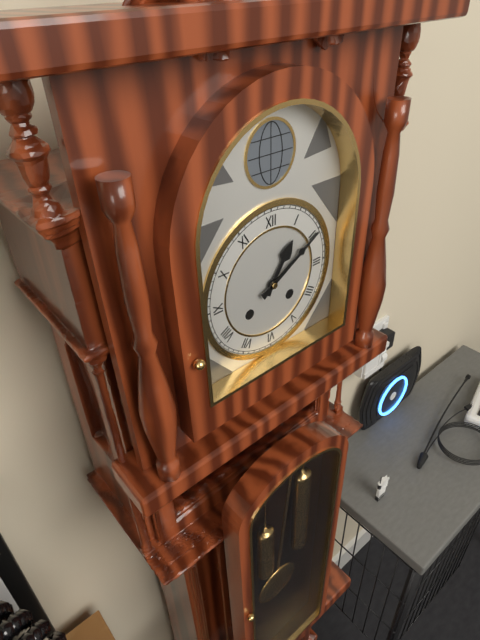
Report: 1:10
